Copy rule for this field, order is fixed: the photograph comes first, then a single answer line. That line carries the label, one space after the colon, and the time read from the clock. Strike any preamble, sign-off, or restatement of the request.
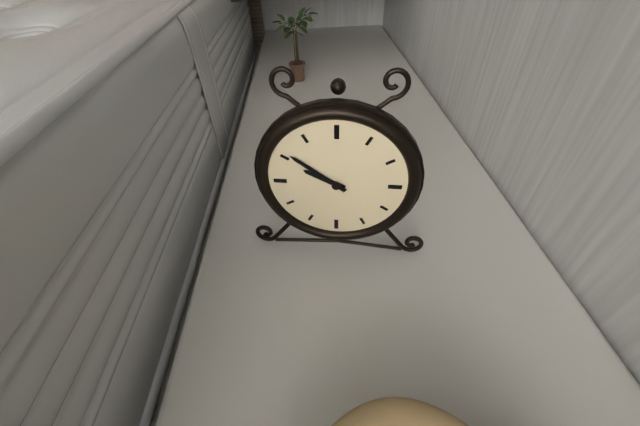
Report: 9:51
